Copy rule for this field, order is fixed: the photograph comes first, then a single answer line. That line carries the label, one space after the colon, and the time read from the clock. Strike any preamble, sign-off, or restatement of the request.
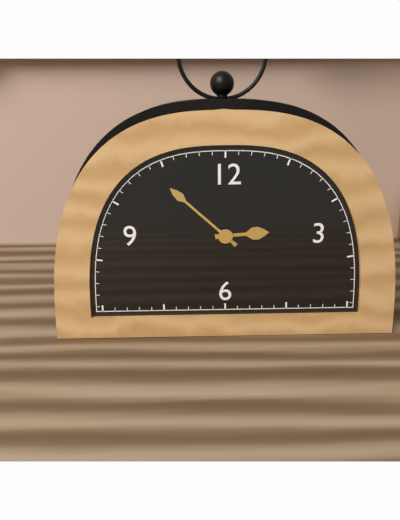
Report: 2:52
